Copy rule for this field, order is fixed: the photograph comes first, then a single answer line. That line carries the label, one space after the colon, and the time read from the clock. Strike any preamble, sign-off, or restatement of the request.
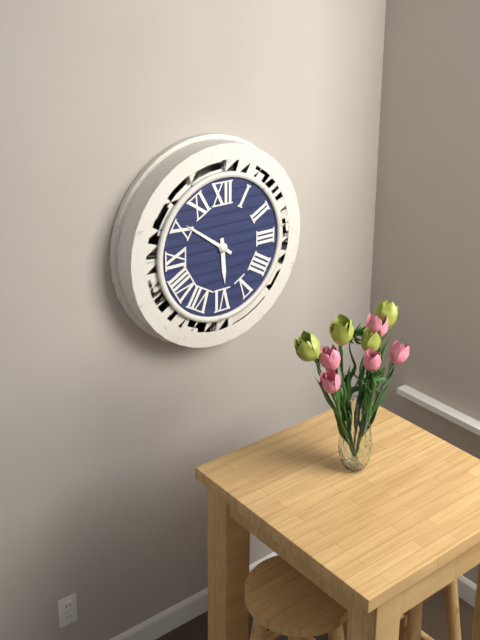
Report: 5:51
